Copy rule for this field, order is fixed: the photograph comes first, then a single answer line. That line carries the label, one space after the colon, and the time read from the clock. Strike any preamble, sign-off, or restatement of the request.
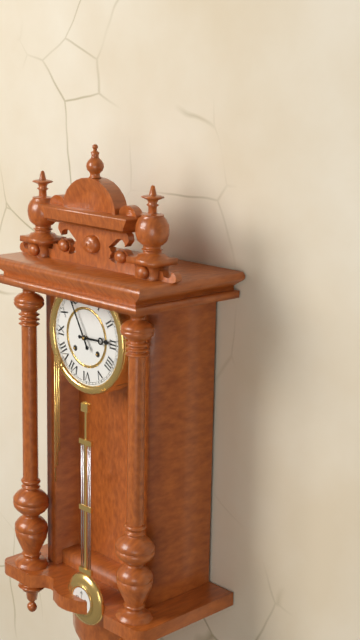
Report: 2:55
